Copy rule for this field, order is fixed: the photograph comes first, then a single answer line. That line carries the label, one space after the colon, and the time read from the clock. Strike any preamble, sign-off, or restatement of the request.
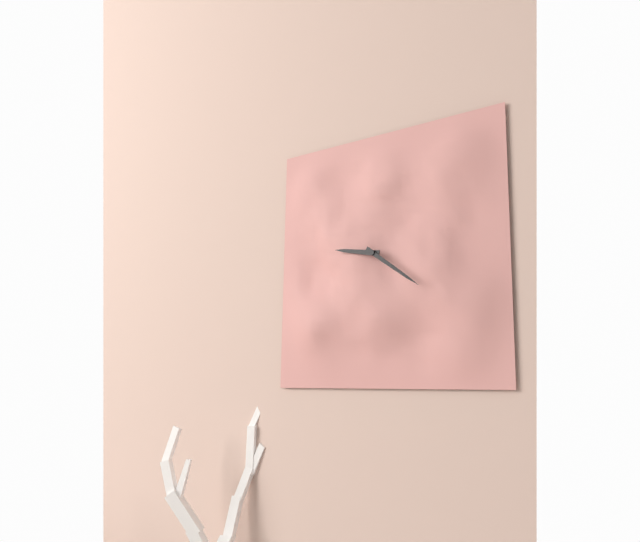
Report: 9:21
